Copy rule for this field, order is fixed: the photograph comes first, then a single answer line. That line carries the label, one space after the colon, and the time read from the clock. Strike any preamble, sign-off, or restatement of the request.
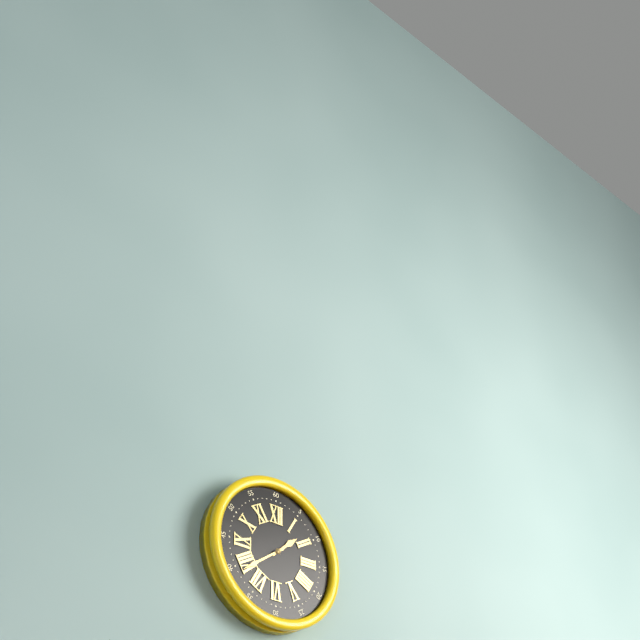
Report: 1:39
